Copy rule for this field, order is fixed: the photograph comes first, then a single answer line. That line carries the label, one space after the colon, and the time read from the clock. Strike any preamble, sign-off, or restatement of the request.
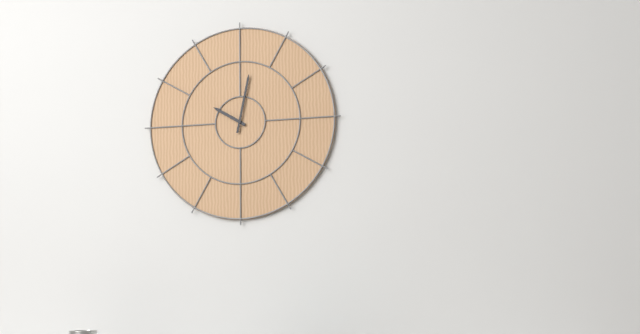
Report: 10:02
